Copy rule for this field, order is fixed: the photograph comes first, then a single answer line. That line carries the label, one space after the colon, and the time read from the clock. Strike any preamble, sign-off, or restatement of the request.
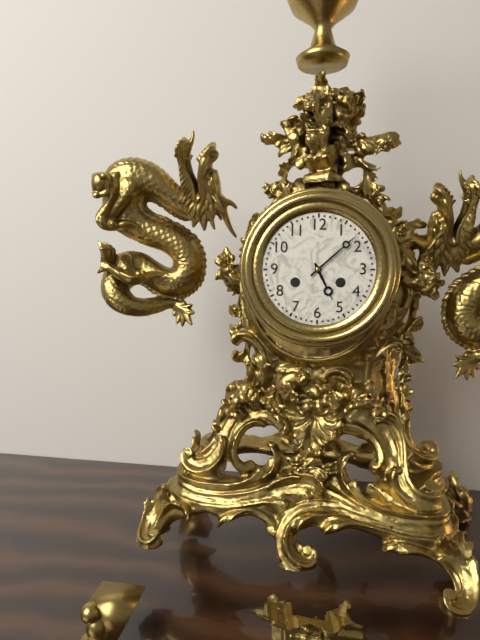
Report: 5:08
